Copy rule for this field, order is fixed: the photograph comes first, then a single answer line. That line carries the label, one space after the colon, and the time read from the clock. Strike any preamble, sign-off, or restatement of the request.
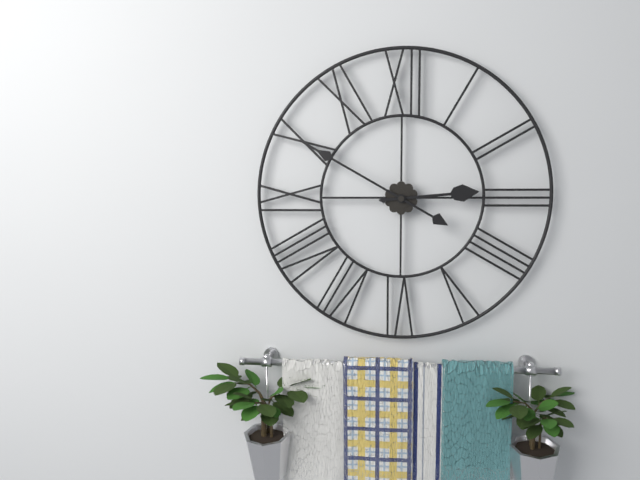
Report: 2:50
